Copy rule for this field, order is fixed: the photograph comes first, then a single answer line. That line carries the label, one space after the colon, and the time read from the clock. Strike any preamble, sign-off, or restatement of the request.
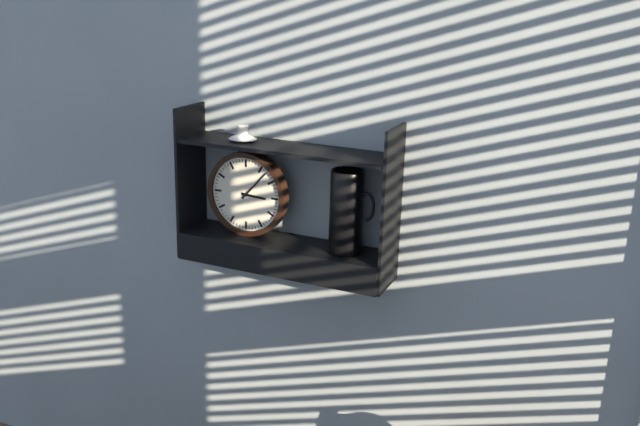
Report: 3:07
